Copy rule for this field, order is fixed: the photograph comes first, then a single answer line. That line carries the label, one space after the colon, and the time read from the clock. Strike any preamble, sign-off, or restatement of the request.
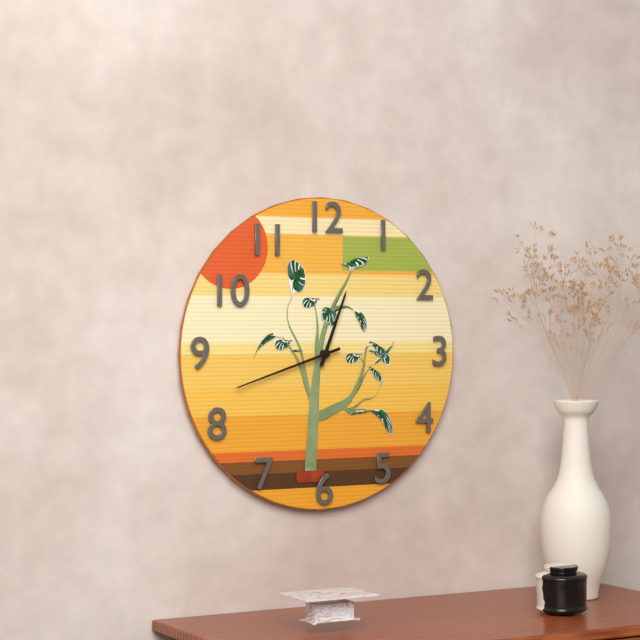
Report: 12:42
